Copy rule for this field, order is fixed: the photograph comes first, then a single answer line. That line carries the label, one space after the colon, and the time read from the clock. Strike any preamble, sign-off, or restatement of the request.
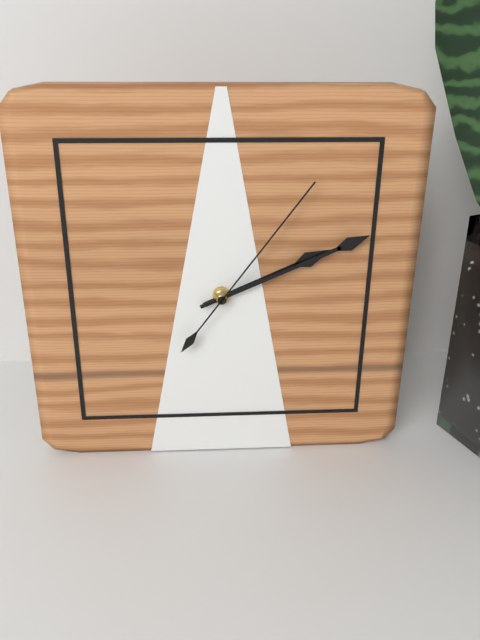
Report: 2:11:06
